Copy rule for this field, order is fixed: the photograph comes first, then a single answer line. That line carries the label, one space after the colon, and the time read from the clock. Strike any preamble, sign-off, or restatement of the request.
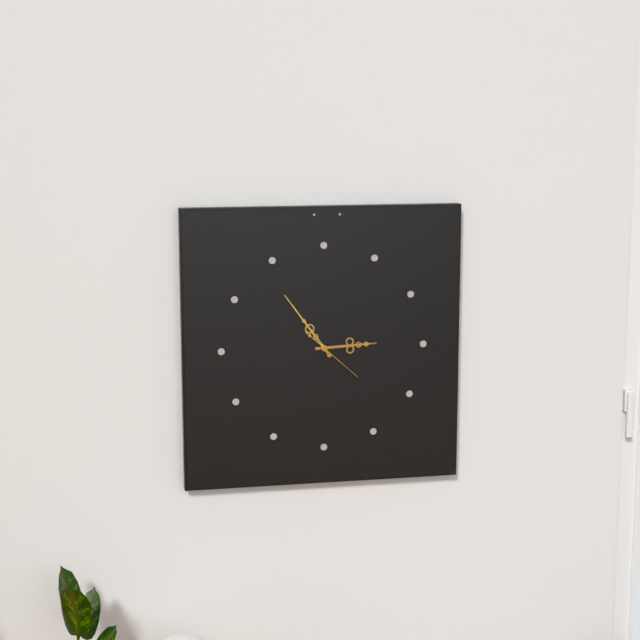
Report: 2:54:22
